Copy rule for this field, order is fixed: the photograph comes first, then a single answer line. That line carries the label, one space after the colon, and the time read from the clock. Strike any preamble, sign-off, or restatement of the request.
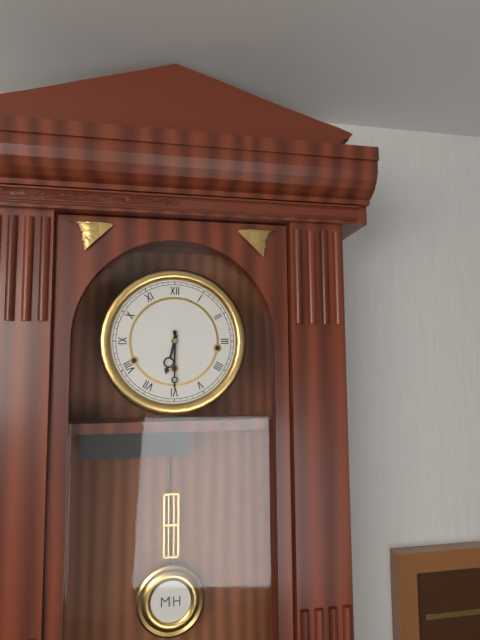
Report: 6:30
